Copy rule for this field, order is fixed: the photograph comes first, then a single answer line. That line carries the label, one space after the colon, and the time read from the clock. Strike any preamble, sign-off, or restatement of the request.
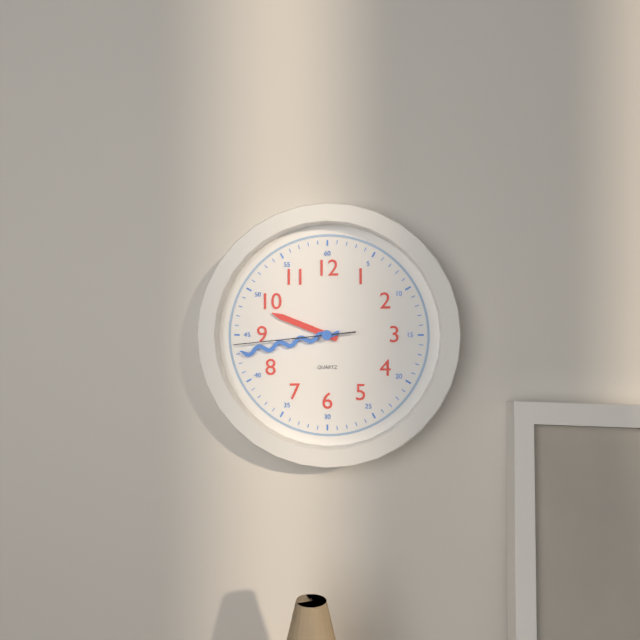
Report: 9:43:44
